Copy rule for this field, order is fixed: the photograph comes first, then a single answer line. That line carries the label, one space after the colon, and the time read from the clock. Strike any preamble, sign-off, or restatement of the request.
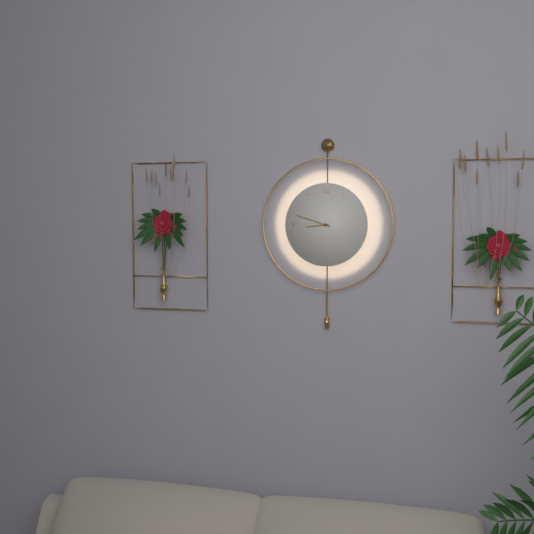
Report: 8:48
